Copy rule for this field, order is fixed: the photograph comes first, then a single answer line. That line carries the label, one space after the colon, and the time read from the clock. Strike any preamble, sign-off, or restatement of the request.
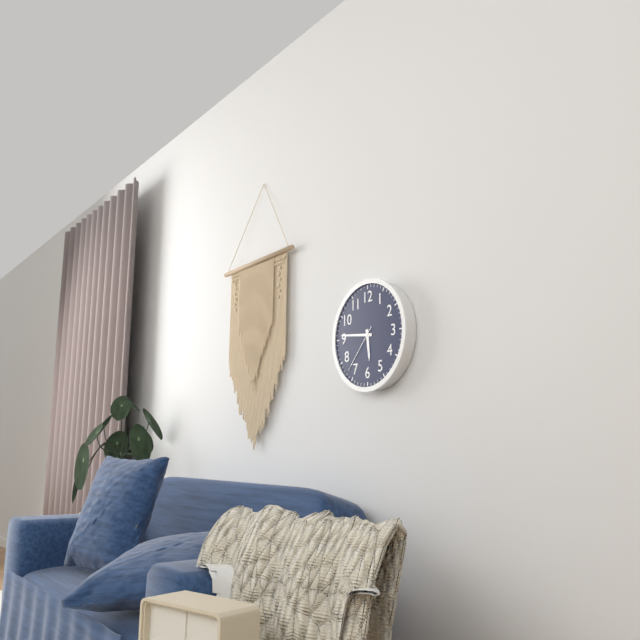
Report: 5:46:37
